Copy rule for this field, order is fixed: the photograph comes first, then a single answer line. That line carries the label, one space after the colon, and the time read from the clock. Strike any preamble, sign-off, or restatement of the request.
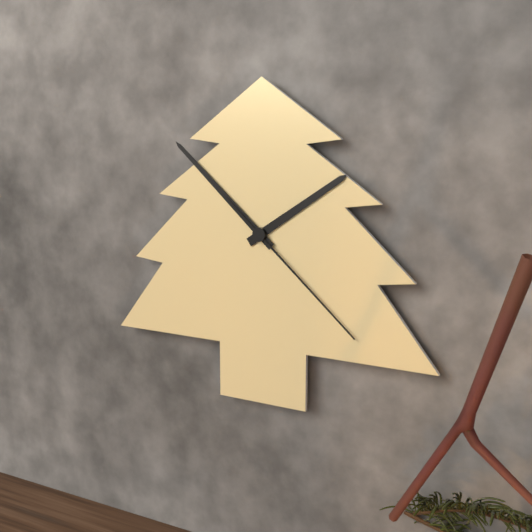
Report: 1:52:22
